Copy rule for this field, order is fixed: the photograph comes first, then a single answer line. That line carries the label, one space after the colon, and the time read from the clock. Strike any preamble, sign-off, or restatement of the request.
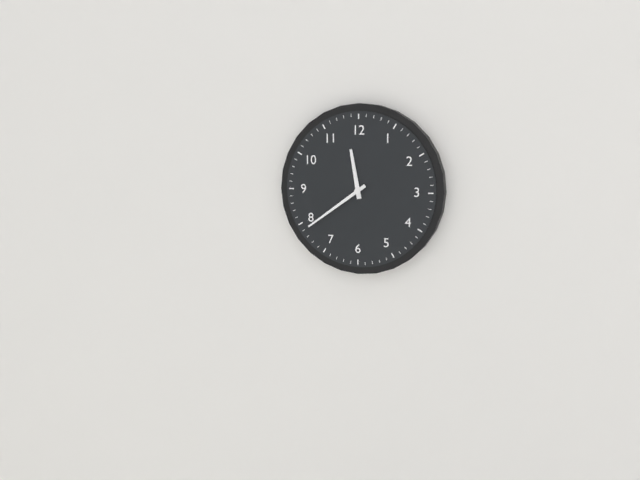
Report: 11:39
